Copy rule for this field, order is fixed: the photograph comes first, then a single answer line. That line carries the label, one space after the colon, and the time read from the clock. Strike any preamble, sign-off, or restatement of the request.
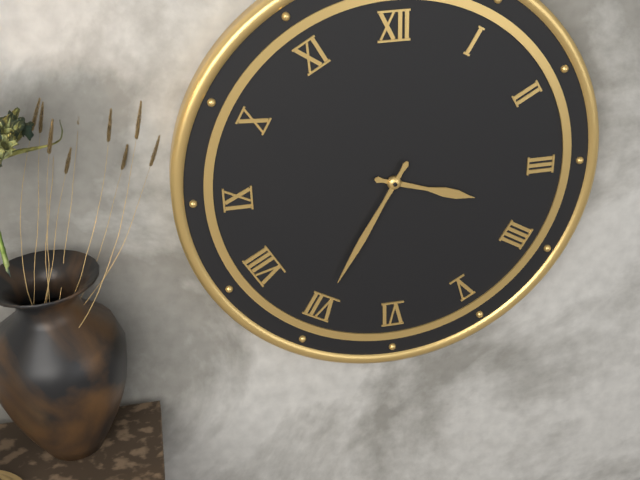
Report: 3:35
